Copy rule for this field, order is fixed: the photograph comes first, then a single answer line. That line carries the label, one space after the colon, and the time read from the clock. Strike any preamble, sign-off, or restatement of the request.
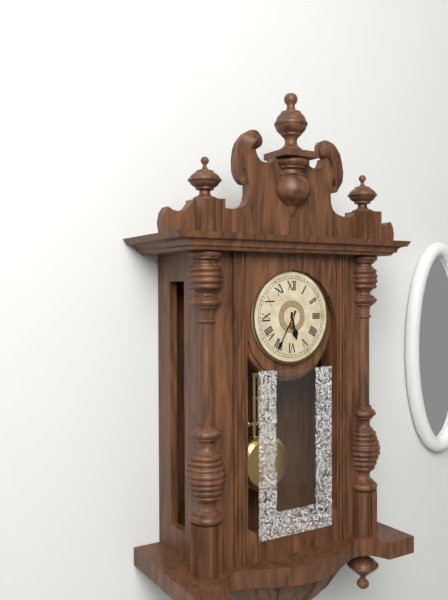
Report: 5:35
